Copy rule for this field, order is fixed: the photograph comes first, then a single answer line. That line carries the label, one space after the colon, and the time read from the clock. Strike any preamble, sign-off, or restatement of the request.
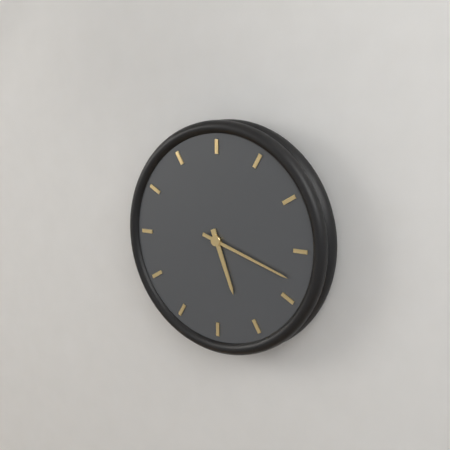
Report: 5:18
